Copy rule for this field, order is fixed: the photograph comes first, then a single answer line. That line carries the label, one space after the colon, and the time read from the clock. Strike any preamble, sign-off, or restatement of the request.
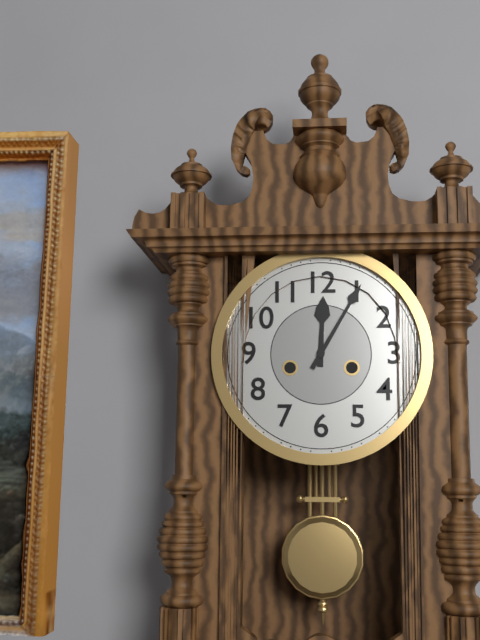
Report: 12:05
